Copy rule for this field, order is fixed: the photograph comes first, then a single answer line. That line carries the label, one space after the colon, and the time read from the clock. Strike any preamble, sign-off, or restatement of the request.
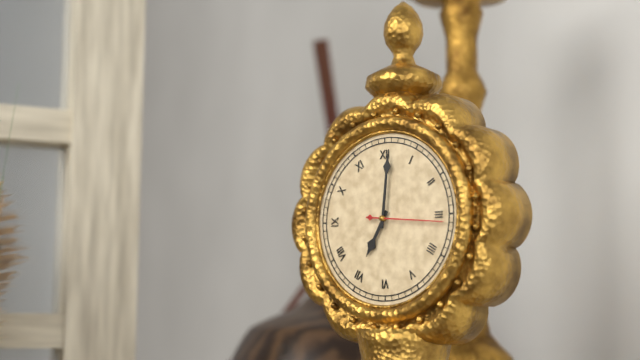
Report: 7:01:16
